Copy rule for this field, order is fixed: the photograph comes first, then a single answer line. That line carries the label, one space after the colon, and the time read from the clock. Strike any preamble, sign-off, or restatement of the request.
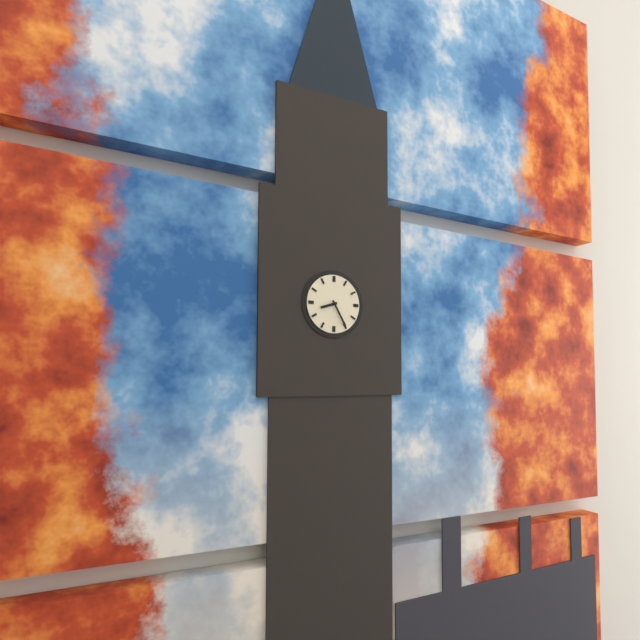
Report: 8:25
